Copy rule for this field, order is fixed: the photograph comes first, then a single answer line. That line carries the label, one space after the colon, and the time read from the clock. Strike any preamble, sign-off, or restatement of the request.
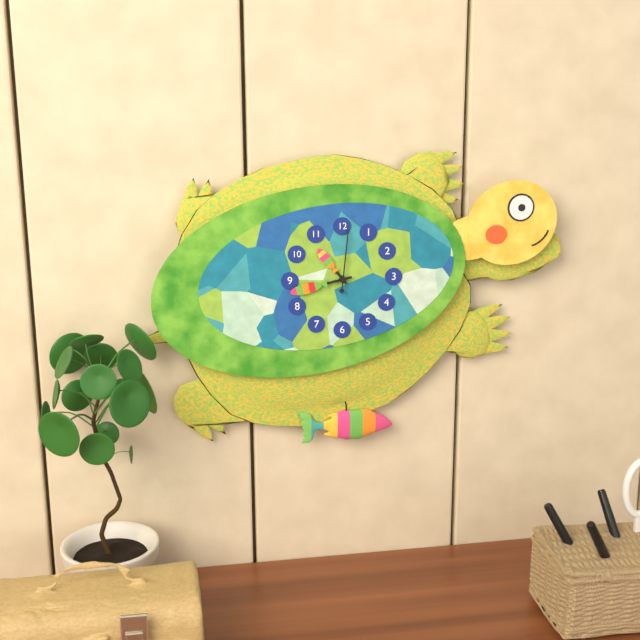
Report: 10:43:01
